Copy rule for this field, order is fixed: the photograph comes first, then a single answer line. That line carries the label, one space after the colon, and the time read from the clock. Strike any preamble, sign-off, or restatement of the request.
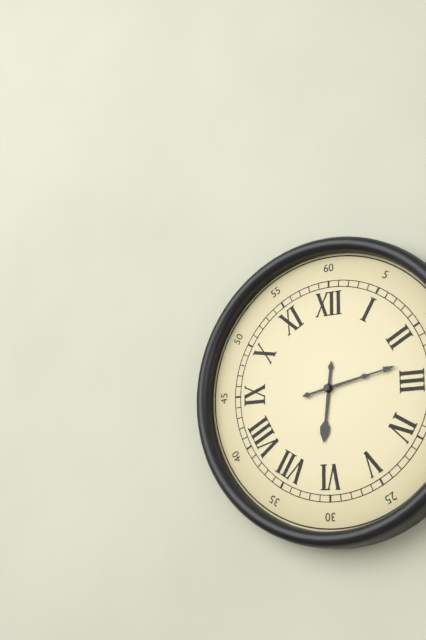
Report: 6:13
